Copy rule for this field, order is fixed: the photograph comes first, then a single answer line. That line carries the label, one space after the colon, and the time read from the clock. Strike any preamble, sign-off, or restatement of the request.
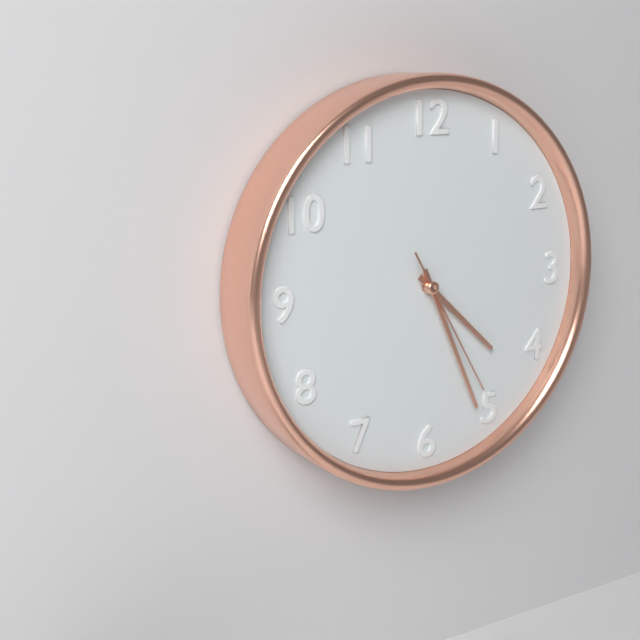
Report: 4:26:25
